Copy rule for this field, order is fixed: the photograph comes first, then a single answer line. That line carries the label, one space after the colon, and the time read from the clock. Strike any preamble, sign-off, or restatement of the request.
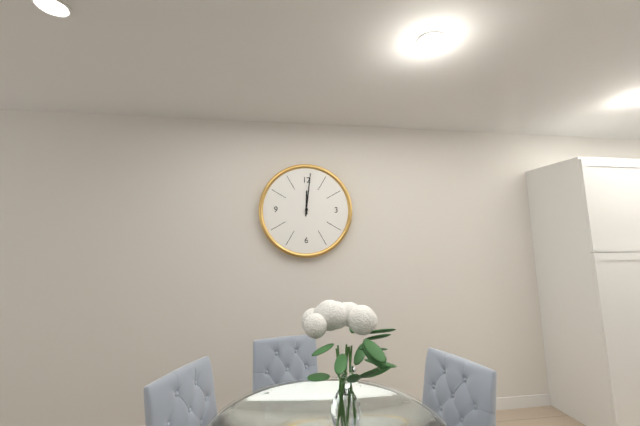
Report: 12:01
